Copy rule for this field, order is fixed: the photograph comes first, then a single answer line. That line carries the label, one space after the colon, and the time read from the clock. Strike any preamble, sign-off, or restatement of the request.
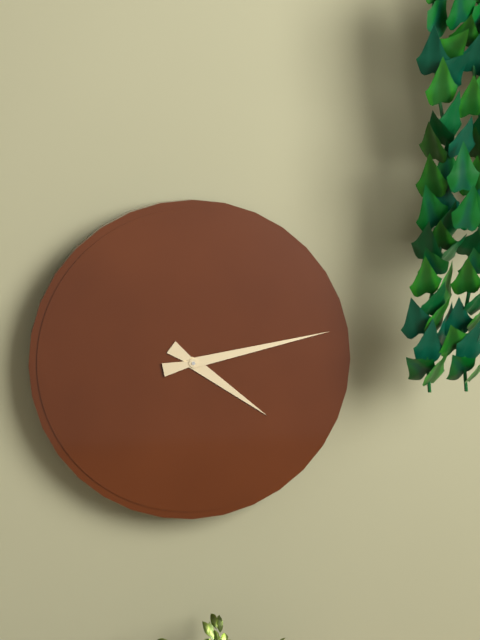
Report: 4:13
